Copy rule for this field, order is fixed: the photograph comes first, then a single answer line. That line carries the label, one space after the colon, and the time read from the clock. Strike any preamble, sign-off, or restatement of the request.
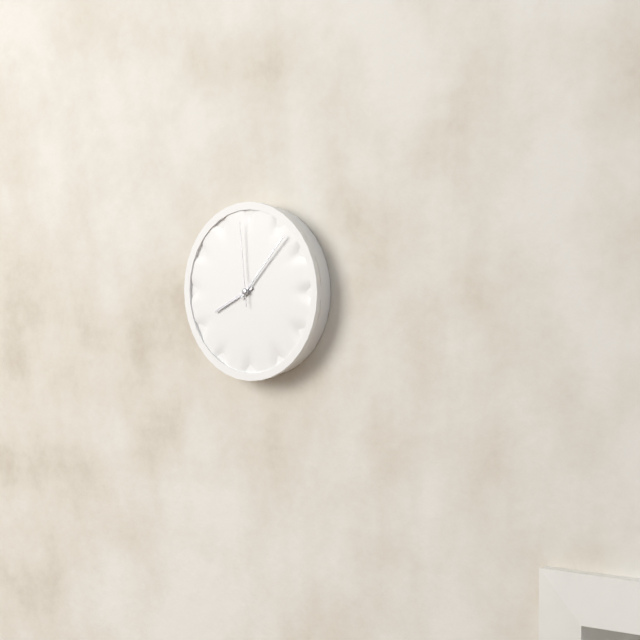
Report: 8:07:59
